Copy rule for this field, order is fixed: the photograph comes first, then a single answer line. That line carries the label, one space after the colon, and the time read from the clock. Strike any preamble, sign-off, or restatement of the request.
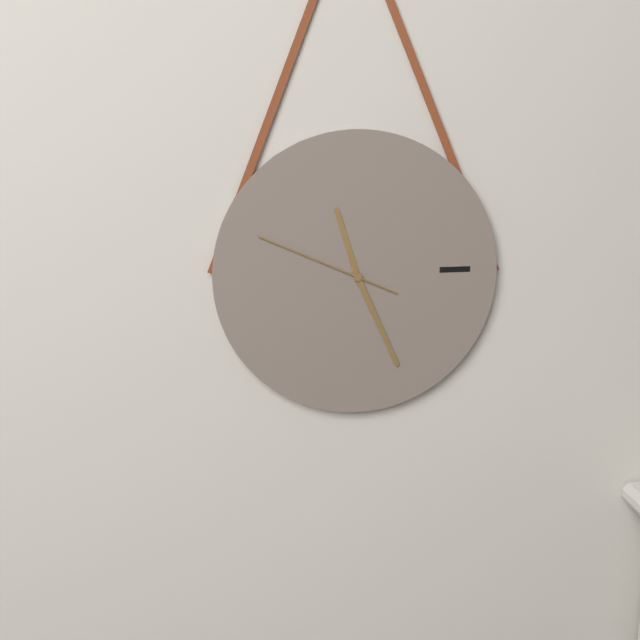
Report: 11:26:49
